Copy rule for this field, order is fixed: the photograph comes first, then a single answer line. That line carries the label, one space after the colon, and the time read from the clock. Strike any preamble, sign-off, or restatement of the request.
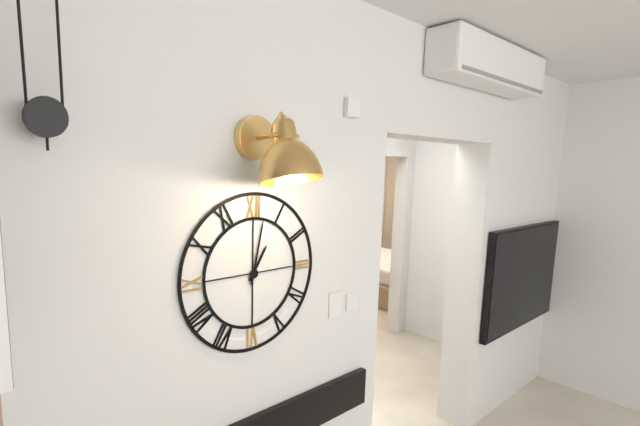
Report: 1:02
